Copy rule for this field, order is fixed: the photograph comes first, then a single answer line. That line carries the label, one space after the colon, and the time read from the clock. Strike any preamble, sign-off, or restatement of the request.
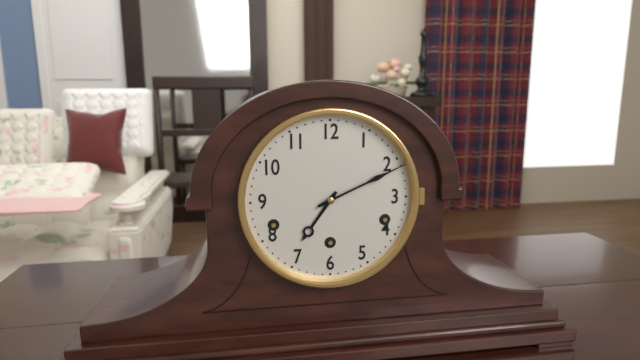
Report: 7:11
